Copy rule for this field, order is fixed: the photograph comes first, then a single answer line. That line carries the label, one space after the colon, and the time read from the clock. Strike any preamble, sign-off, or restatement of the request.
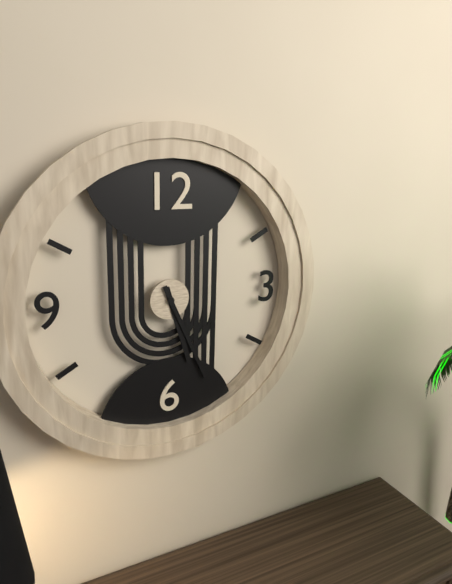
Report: 5:26
